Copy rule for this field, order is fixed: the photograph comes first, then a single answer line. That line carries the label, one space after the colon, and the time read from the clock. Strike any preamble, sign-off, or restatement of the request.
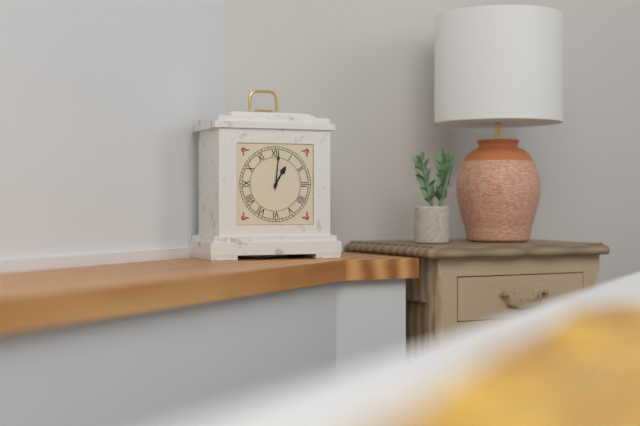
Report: 1:01
